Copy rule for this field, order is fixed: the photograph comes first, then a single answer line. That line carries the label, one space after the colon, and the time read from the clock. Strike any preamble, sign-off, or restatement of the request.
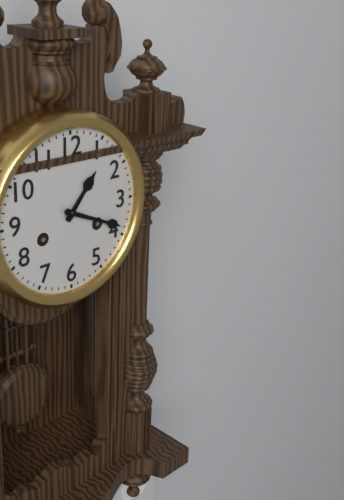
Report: 1:19
